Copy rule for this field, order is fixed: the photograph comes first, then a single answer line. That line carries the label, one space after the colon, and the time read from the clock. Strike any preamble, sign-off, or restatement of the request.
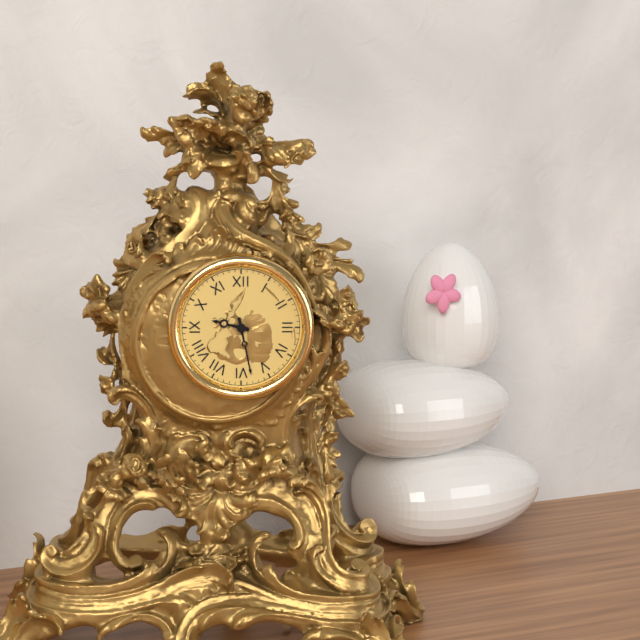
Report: 9:28
